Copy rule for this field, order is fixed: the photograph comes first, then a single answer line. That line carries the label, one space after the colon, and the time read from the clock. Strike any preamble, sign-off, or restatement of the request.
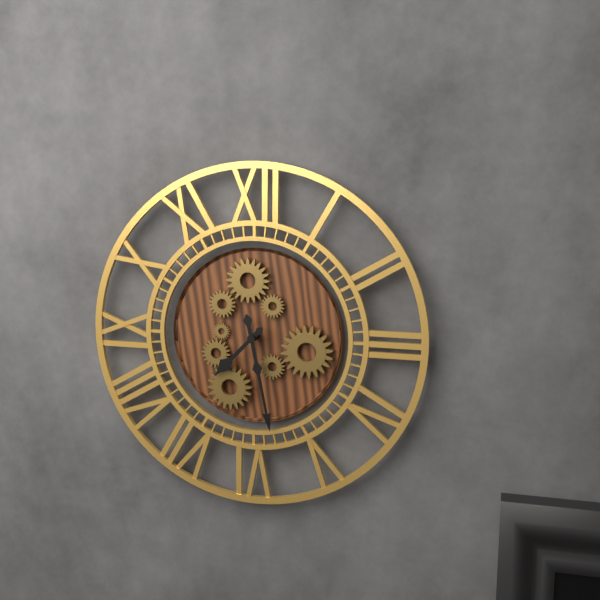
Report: 7:28
